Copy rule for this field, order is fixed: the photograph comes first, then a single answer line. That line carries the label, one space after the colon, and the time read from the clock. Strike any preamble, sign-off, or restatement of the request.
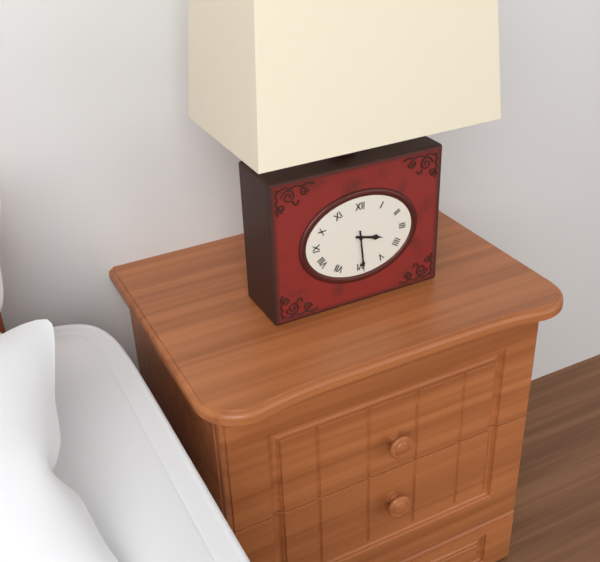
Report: 3:29
